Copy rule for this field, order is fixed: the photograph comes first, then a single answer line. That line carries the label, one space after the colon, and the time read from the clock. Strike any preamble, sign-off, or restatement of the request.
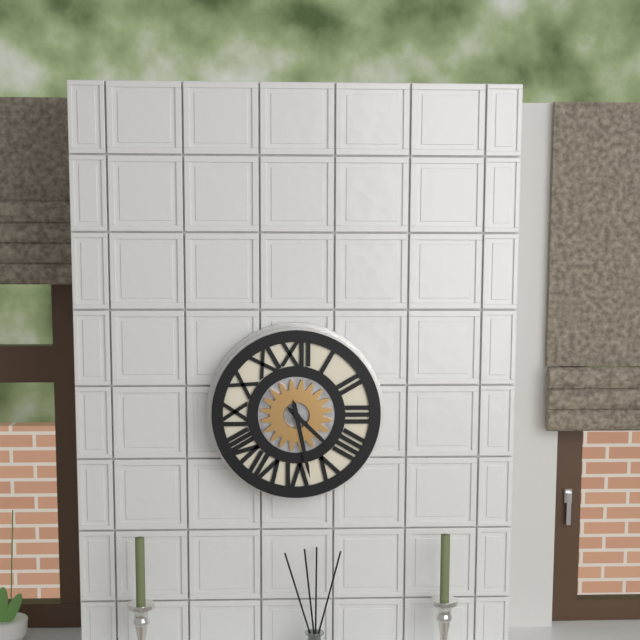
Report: 4:28
